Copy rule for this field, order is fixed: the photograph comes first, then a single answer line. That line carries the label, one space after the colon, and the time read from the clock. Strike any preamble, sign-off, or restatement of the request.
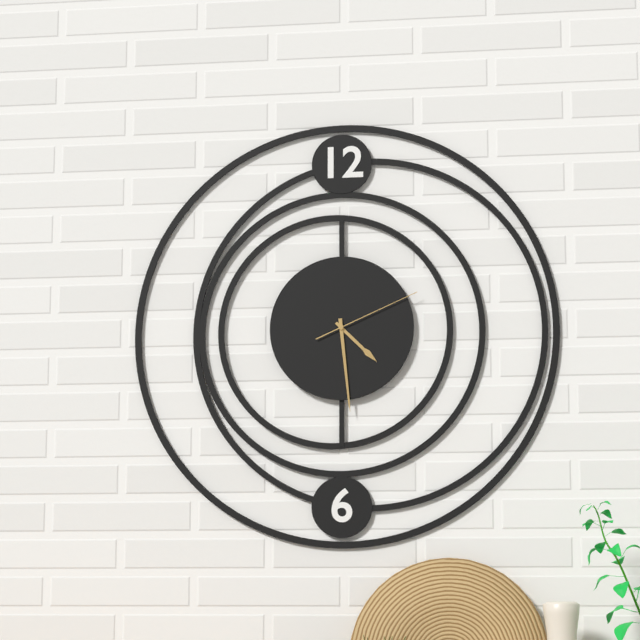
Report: 4:29:11
